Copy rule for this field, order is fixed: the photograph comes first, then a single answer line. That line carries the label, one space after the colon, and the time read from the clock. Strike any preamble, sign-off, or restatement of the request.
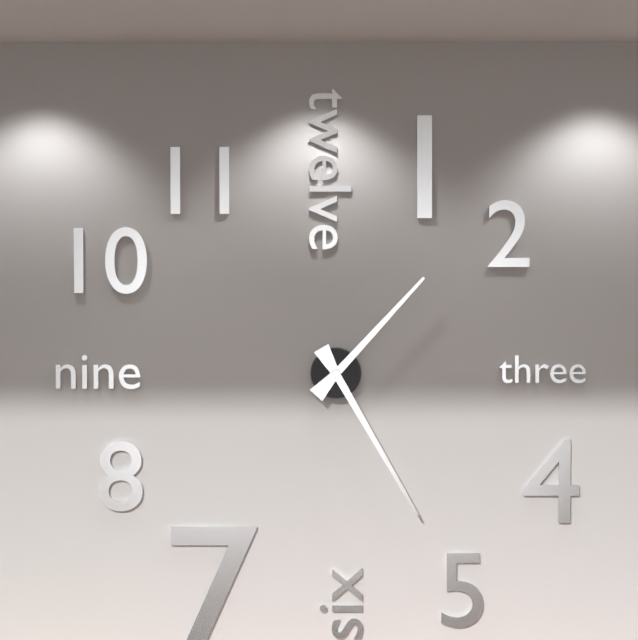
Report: 1:25
